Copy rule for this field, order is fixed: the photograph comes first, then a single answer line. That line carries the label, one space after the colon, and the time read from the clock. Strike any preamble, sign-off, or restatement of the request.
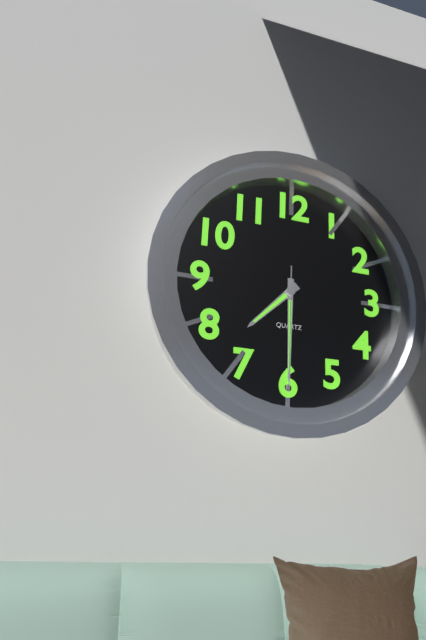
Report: 7:30:30
